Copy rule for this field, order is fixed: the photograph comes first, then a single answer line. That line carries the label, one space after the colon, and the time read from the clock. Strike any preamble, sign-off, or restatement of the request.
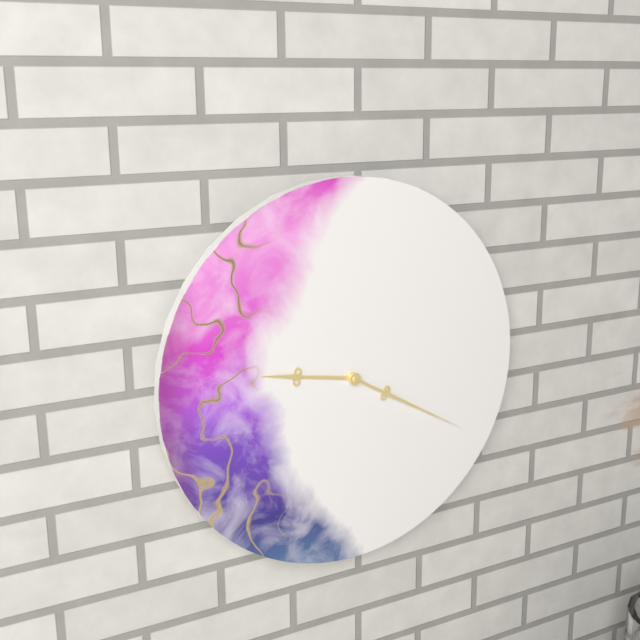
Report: 9:20
